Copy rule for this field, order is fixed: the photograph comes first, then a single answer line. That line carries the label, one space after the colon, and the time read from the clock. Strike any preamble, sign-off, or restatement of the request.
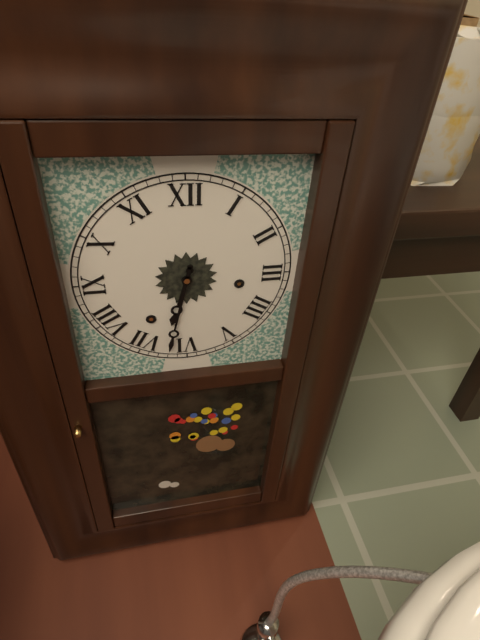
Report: 6:32
